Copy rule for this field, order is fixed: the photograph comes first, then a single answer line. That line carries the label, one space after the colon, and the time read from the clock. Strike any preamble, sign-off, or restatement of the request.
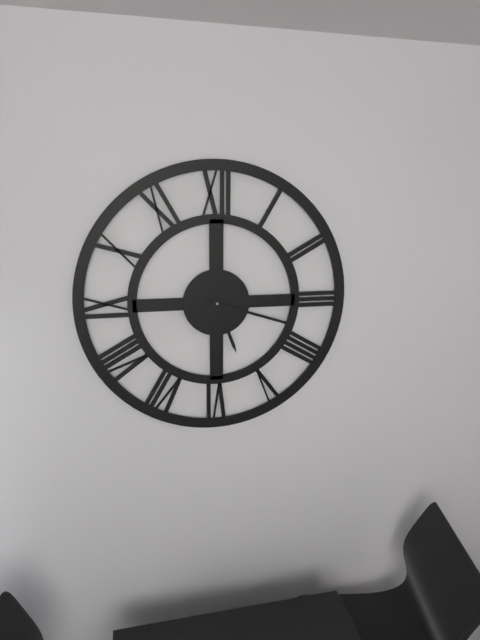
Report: 5:18
